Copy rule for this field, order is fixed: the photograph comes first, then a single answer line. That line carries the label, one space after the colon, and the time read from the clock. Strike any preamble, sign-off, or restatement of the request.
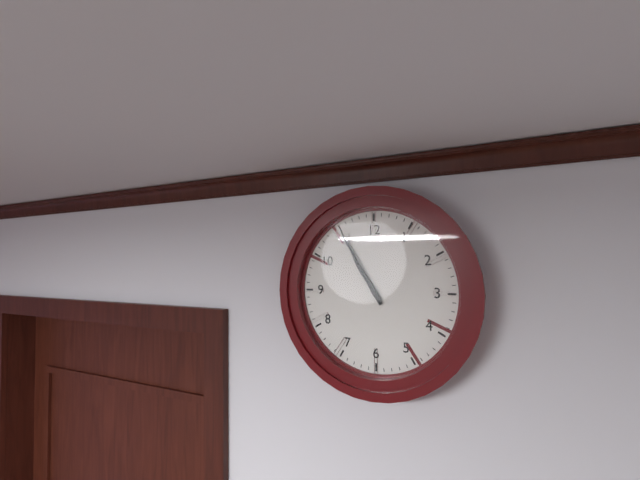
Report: 10:55
